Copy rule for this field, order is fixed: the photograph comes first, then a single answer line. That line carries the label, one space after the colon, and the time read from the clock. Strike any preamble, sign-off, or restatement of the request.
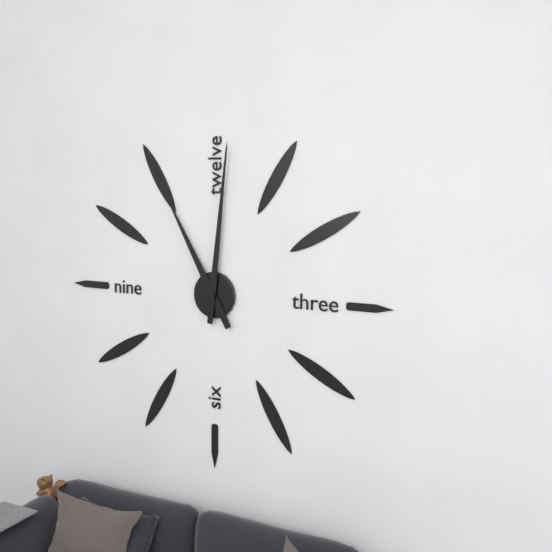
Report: 11:01
